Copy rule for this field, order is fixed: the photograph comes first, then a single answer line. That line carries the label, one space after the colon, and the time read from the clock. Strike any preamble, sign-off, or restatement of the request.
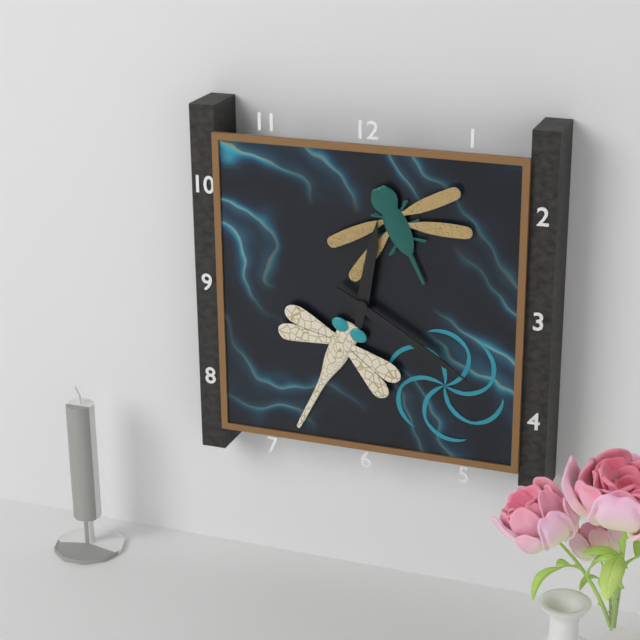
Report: 12:20
